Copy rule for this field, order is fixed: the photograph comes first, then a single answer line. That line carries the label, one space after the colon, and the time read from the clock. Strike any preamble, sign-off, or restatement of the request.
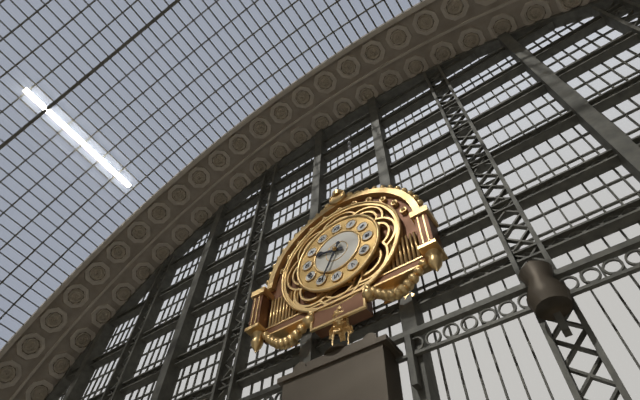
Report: 9:34
